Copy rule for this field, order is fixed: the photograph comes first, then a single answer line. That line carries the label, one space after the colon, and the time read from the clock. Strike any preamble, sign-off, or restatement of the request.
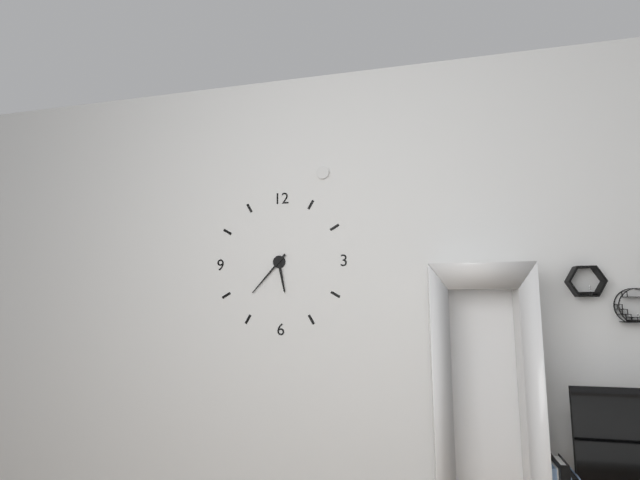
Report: 5:37
